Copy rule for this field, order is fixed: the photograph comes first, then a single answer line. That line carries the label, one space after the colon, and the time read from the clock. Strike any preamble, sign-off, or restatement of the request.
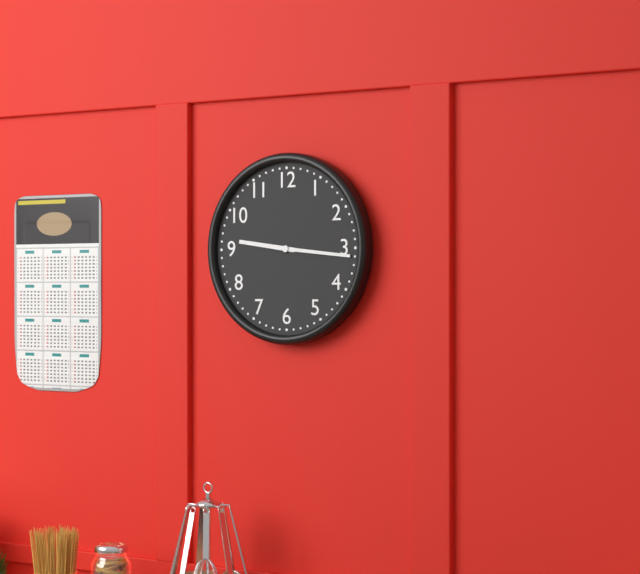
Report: 9:16
